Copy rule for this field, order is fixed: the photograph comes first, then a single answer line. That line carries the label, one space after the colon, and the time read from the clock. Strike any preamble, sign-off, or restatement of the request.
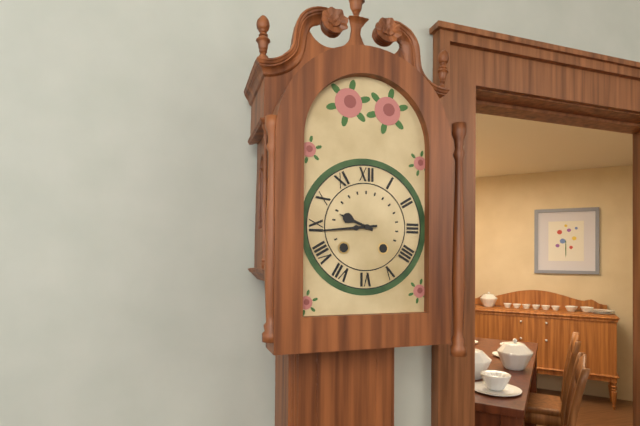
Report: 9:44
